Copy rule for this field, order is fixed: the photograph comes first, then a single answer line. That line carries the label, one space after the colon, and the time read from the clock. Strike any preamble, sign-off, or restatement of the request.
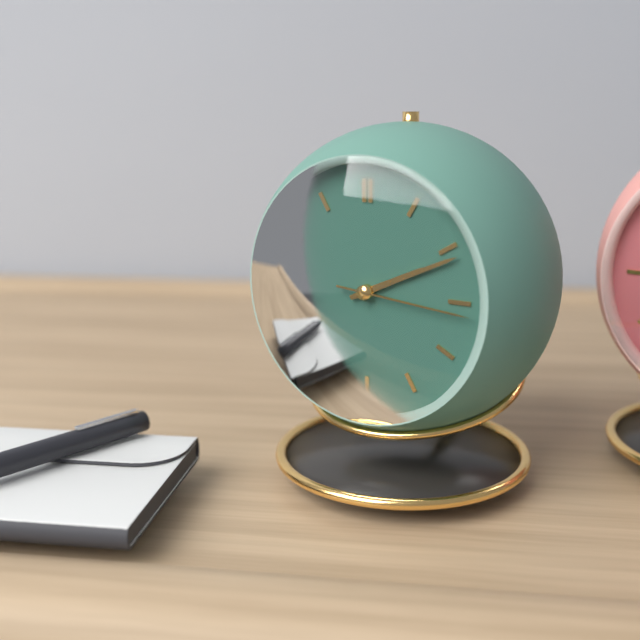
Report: 2:11:16
